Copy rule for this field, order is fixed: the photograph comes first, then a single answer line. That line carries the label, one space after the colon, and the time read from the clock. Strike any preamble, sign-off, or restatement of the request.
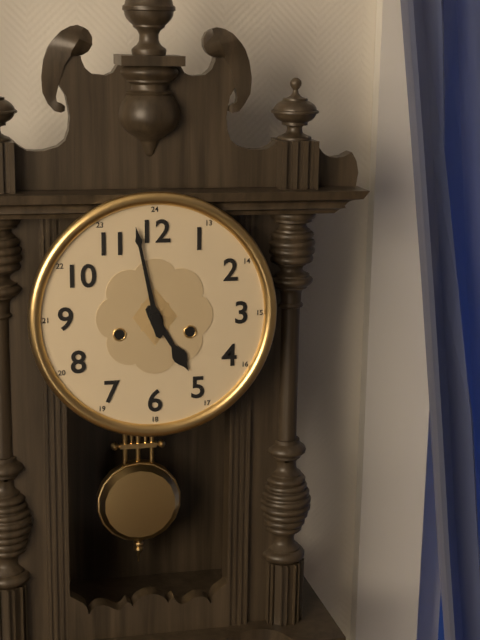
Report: 4:58
